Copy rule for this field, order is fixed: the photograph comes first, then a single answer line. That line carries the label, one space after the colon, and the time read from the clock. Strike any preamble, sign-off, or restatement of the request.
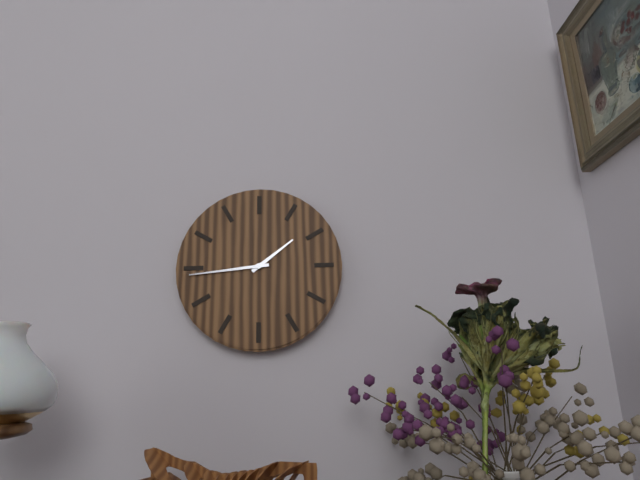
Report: 1:44
